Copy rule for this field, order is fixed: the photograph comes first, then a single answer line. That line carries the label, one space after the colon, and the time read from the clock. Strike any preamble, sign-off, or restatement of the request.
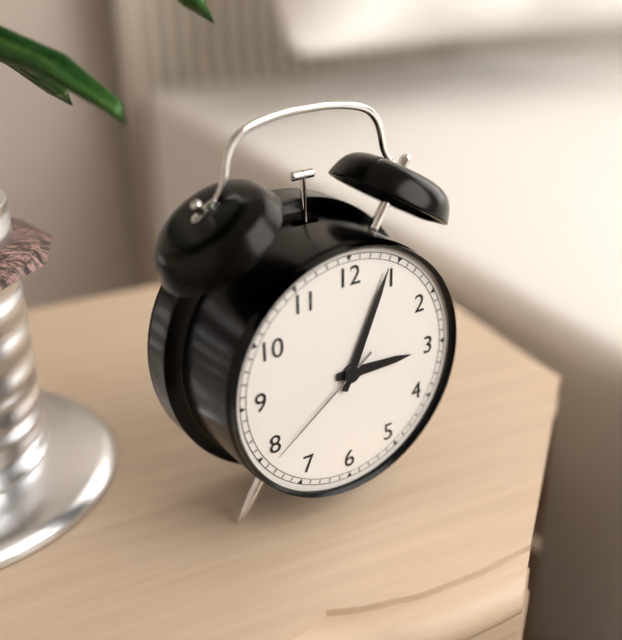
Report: 3:04:39
